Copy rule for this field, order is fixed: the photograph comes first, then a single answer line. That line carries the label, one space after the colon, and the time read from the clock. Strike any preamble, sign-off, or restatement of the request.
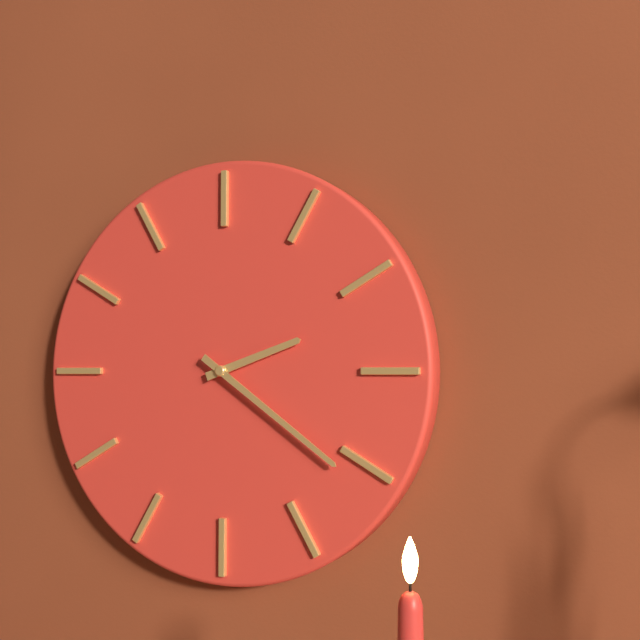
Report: 2:21
